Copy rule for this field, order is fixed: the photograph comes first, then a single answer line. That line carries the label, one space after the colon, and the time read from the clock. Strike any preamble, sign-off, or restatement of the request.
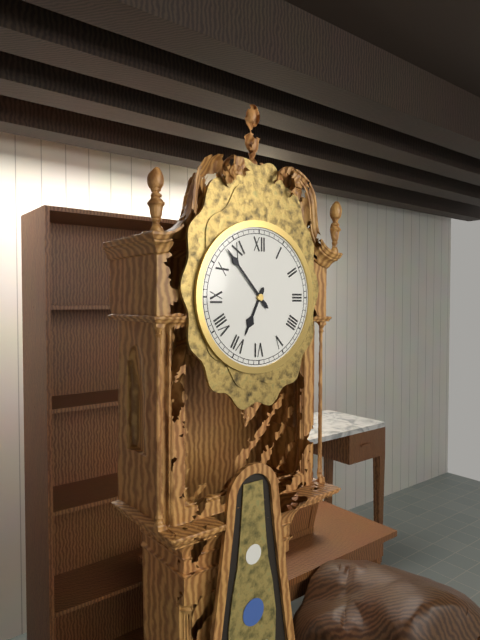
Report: 6:53
